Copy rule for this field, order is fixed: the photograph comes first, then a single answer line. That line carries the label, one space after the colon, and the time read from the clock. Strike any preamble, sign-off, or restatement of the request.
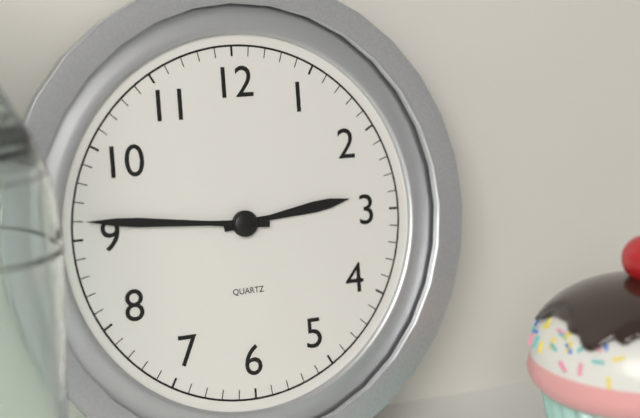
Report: 2:46
